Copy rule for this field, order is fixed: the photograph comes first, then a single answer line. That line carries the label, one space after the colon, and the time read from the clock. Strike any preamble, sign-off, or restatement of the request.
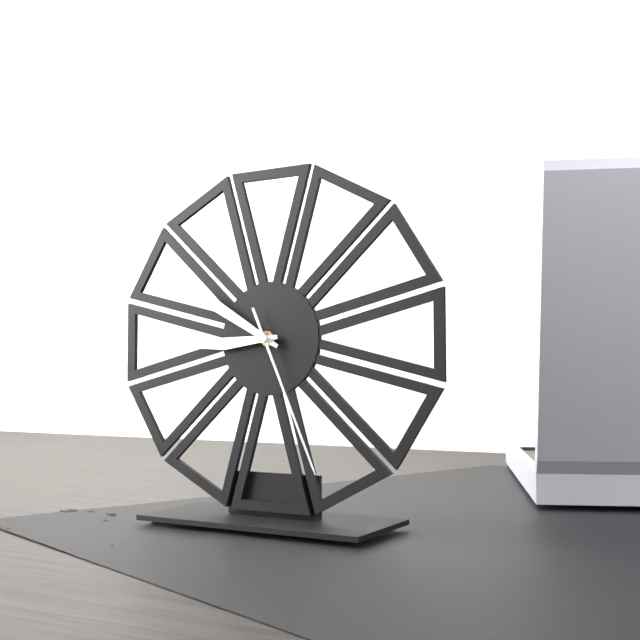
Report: 8:50:26
